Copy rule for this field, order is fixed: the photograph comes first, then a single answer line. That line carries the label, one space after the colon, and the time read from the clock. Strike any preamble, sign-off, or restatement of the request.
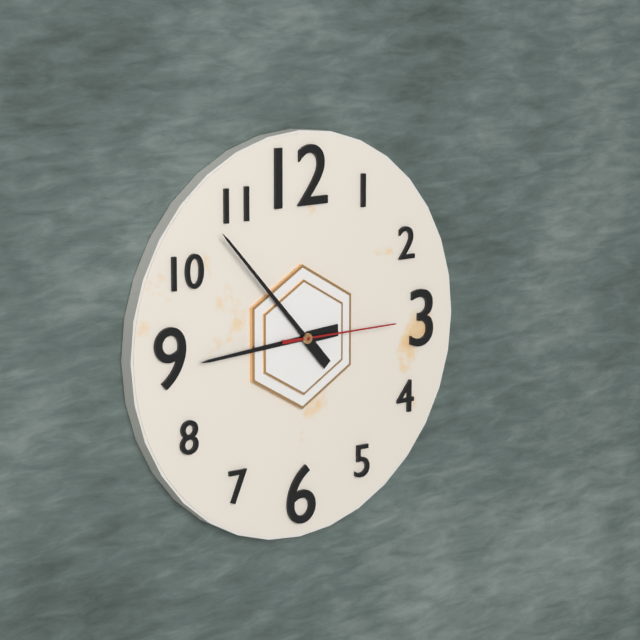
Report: 8:53:15
